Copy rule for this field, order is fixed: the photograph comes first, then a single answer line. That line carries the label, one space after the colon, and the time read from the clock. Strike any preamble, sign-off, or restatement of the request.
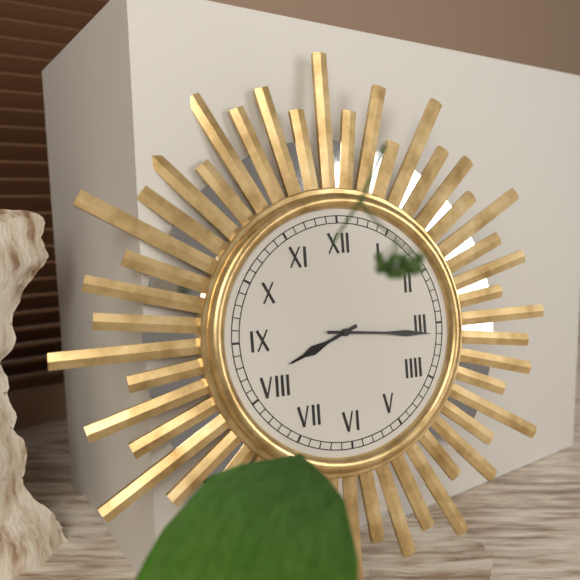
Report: 8:16
